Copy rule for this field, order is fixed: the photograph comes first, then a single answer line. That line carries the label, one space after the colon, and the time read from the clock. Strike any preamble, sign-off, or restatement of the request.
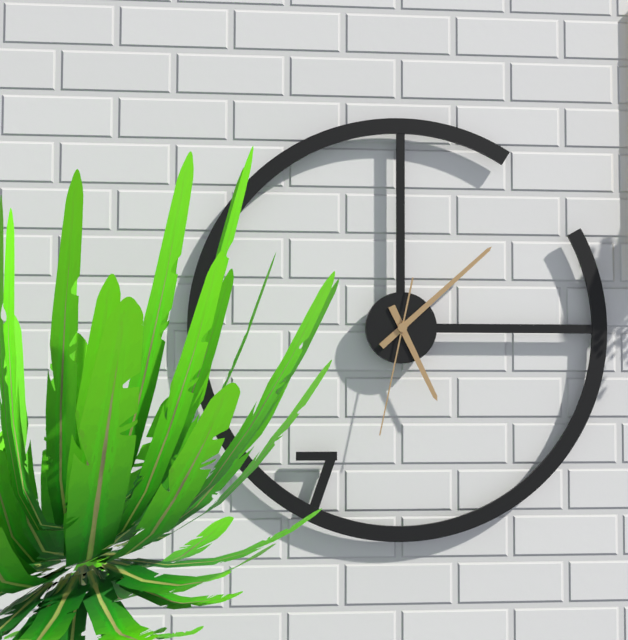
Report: 5:08:32
